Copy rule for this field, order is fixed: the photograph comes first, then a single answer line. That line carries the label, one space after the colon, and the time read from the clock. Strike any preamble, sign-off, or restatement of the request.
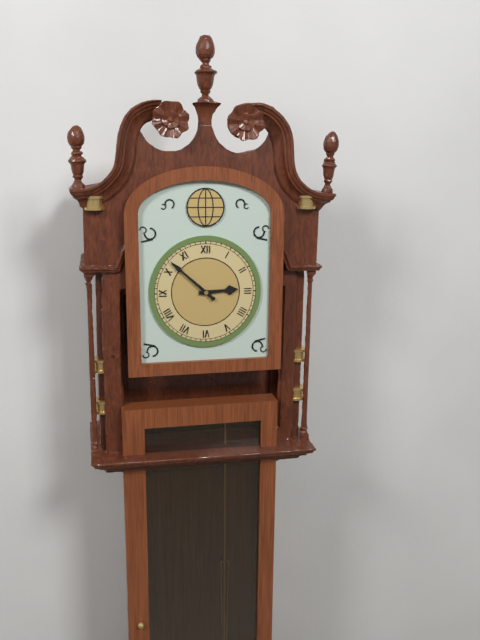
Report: 2:52
